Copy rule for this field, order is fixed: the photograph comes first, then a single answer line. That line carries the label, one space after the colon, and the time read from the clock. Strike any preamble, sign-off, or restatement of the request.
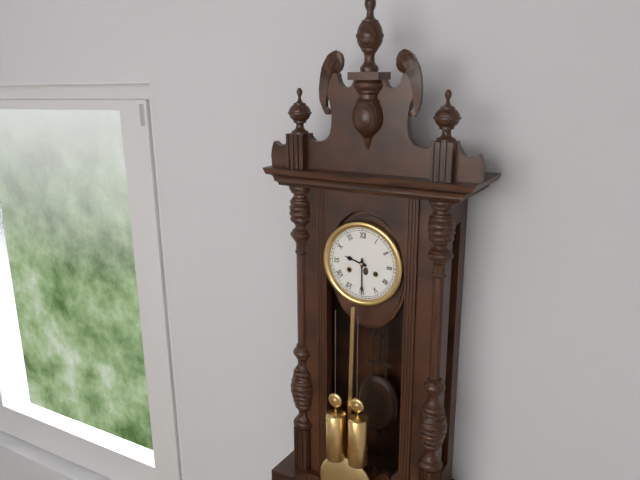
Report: 9:30
